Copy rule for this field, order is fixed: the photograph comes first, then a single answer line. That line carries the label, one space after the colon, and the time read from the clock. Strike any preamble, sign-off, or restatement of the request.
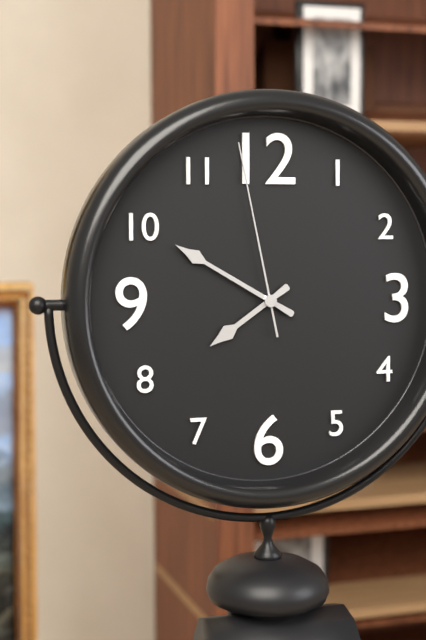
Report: 7:50:58
